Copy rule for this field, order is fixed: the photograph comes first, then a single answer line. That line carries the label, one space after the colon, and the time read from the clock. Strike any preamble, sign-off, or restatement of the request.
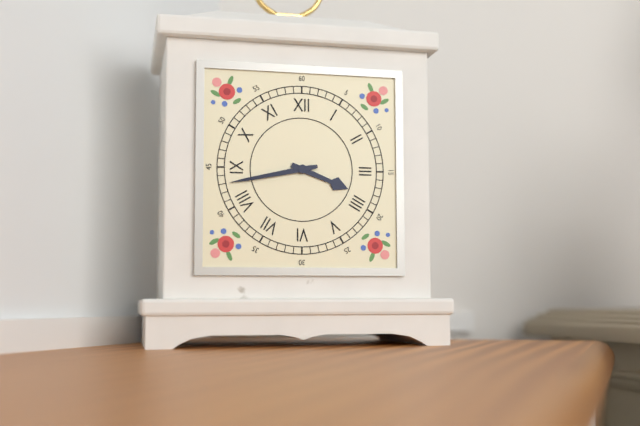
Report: 3:43
